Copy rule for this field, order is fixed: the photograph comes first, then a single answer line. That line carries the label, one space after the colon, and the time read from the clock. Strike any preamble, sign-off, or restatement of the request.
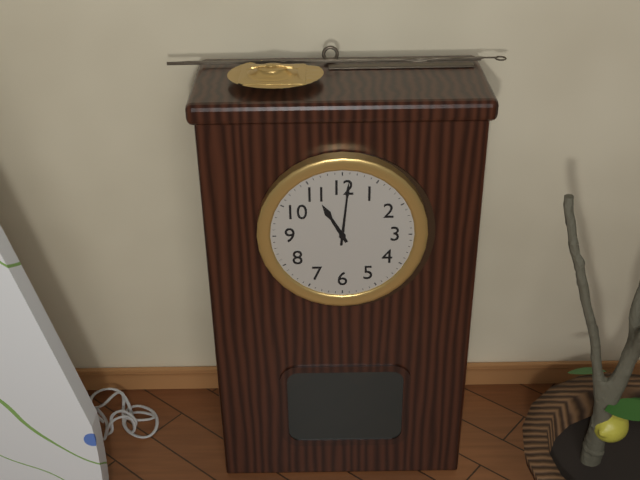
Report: 11:01
